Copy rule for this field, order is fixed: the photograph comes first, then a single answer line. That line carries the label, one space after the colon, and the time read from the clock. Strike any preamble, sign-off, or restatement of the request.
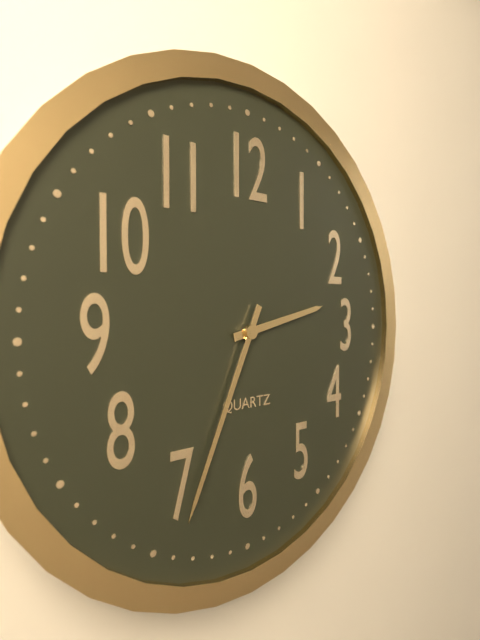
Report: 2:34
